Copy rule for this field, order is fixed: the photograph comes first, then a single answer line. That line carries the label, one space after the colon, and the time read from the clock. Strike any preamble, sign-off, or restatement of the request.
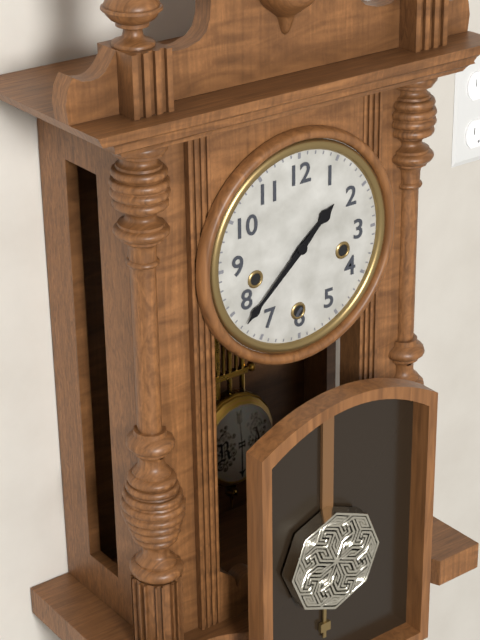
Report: 1:38
